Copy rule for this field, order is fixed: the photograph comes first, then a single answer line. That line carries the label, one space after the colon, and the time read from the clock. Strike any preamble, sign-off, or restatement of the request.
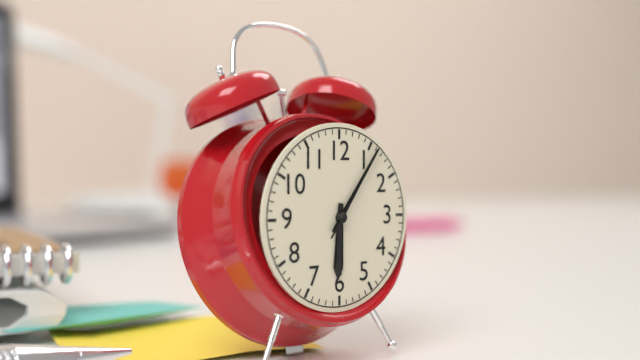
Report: 6:06:06
